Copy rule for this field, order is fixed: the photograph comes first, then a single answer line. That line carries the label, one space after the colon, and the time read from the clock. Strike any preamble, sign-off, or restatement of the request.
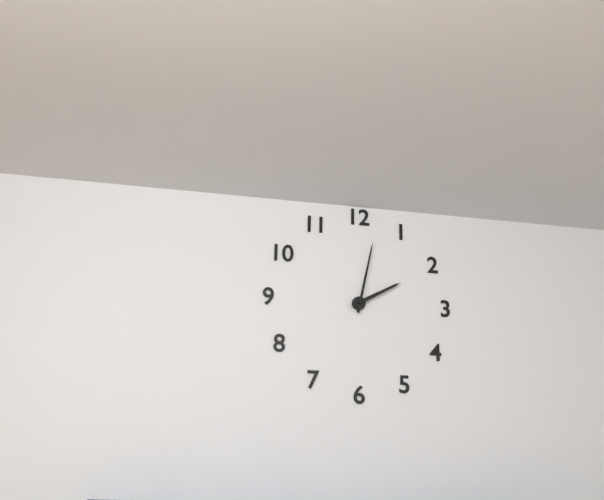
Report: 2:02
